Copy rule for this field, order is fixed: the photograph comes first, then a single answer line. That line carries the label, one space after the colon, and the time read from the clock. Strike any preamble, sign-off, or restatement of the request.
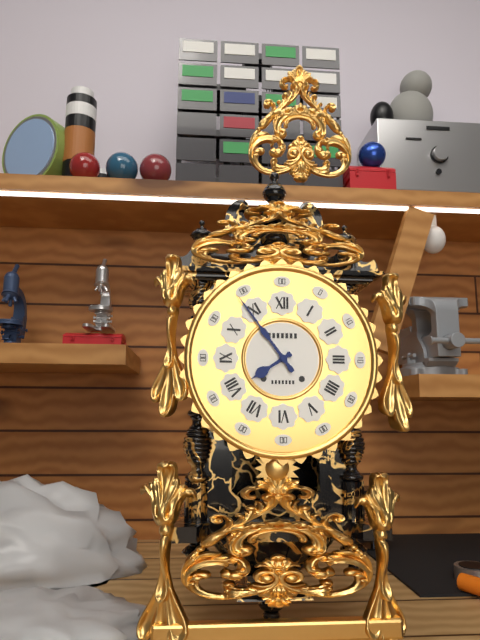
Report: 7:54
